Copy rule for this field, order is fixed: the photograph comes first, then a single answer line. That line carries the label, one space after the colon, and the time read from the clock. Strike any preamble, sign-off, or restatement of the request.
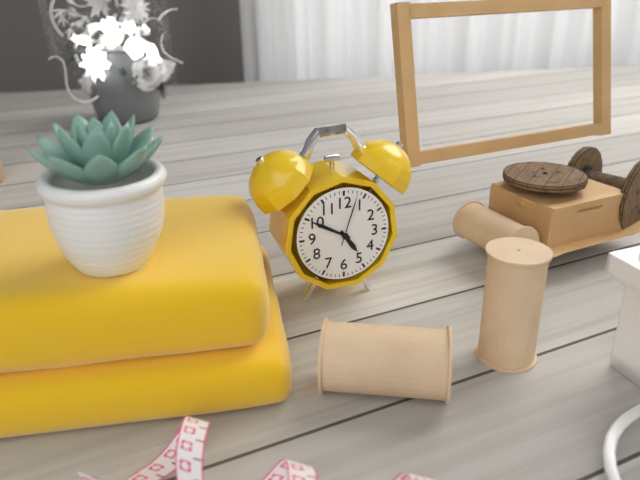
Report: 4:50:03
